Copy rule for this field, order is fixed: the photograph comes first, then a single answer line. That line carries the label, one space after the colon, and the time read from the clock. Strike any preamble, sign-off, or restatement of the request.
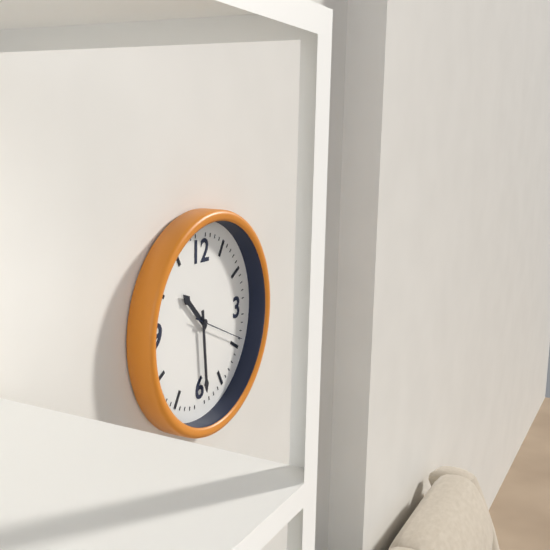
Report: 10:29:19
